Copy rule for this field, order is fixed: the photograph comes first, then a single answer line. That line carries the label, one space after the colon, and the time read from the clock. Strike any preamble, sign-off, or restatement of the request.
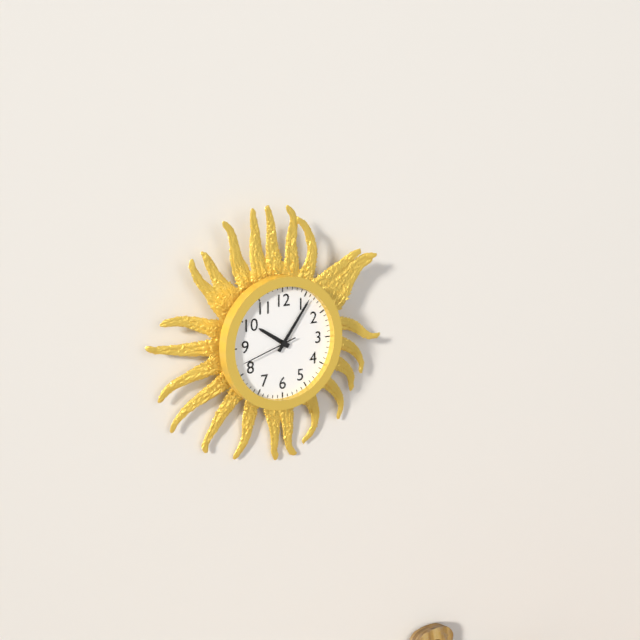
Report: 10:06:42
